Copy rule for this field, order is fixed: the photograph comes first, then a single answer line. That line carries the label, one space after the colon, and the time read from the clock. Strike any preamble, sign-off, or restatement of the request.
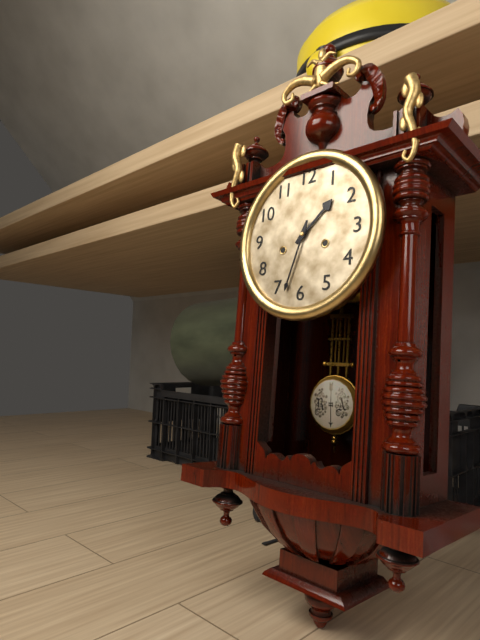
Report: 1:33
